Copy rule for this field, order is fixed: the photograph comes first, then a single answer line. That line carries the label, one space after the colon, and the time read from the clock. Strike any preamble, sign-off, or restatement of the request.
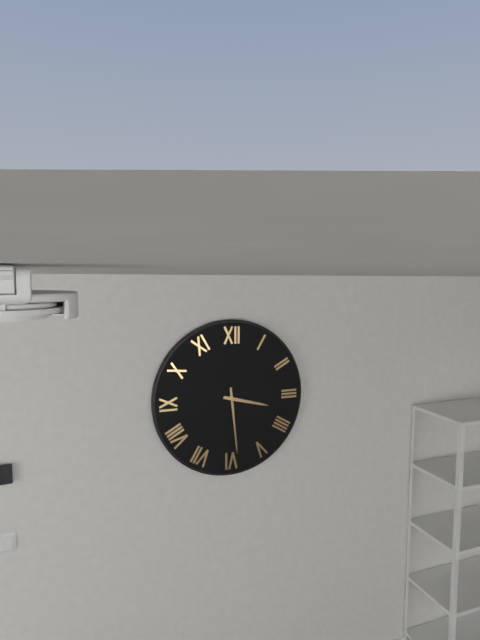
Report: 3:29
